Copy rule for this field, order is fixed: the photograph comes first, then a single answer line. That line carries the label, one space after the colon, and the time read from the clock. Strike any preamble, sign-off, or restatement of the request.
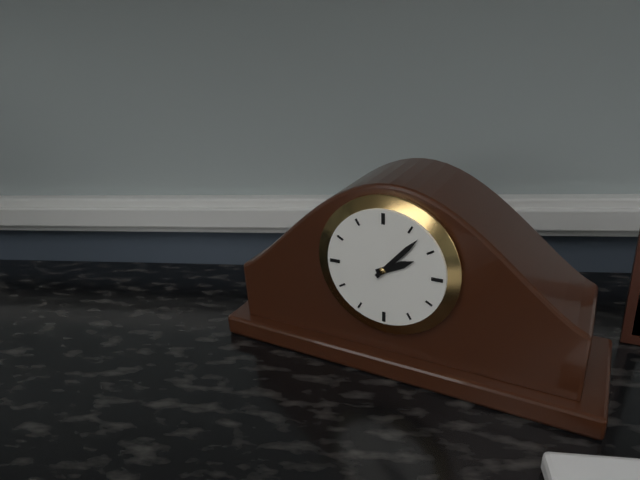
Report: 2:07
